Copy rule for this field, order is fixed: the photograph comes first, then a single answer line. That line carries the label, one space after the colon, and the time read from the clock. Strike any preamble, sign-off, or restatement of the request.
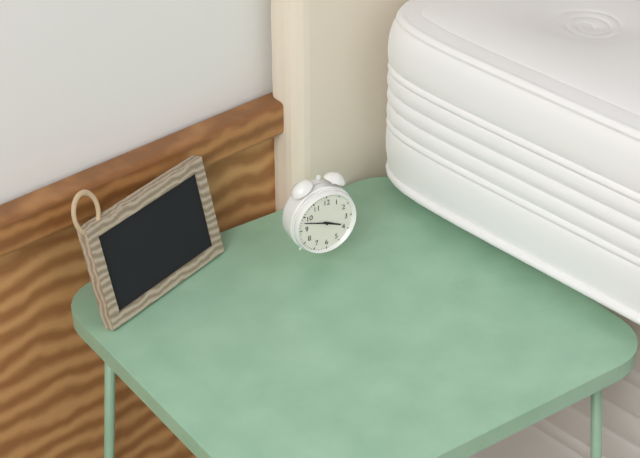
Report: 3:48
